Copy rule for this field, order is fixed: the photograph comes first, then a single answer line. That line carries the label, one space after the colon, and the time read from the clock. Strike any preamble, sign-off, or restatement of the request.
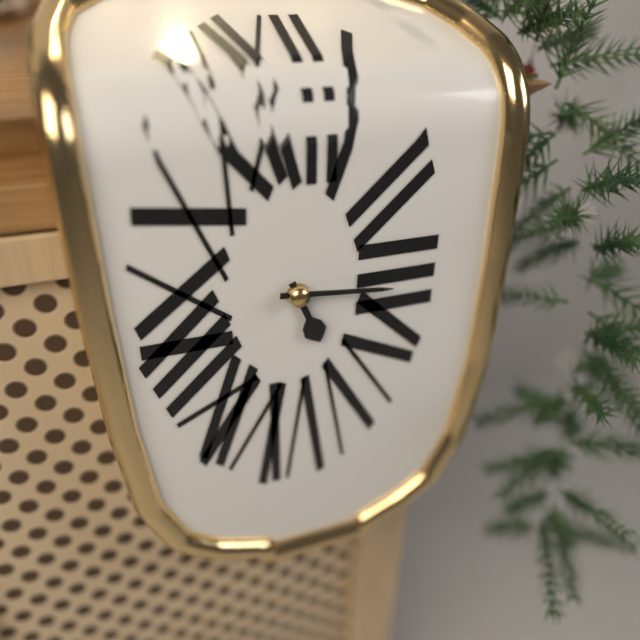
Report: 5:16
